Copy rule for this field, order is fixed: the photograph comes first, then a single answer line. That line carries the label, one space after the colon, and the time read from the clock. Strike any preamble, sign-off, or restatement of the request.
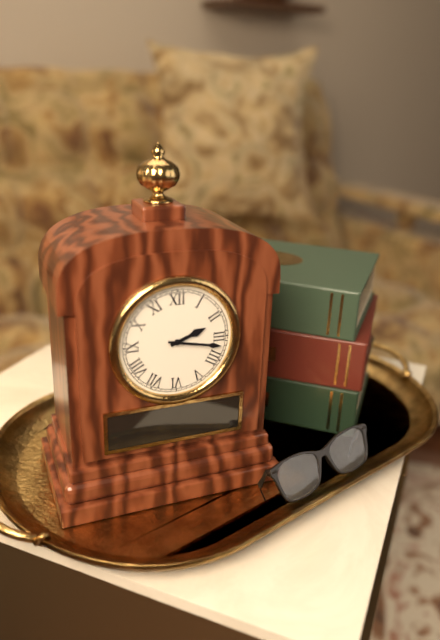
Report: 2:17
